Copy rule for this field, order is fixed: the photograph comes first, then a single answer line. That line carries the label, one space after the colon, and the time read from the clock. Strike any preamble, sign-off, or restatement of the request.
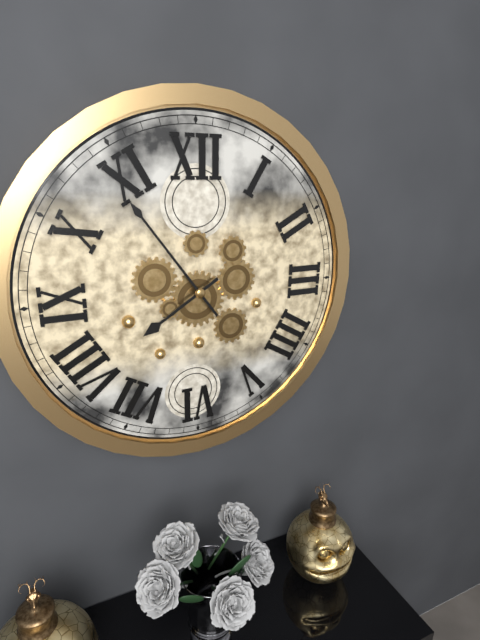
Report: 7:54
